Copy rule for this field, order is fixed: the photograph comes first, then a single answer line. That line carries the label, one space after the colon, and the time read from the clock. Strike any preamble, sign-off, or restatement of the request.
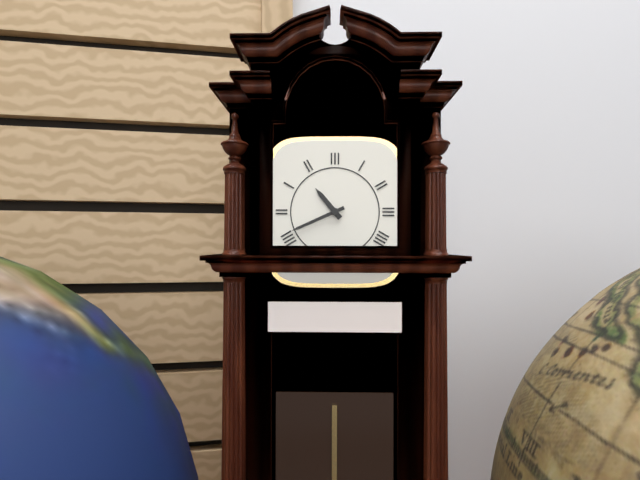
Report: 10:41
